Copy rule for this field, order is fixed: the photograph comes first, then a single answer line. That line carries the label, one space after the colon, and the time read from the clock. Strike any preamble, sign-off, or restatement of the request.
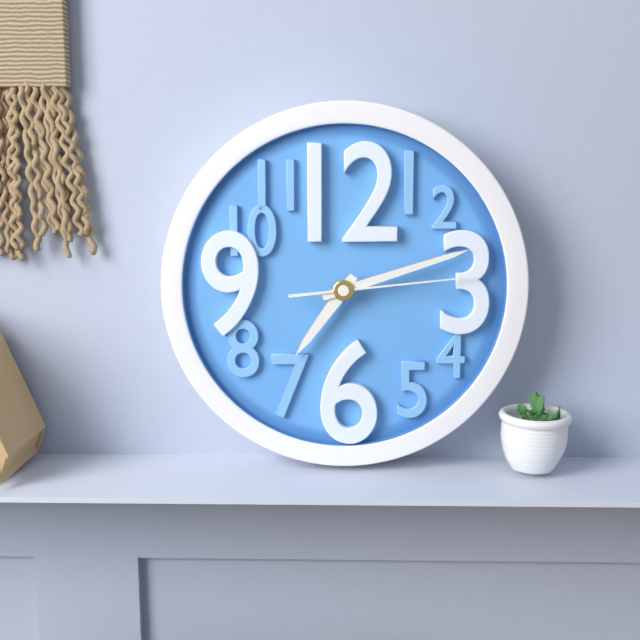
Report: 7:12:14
